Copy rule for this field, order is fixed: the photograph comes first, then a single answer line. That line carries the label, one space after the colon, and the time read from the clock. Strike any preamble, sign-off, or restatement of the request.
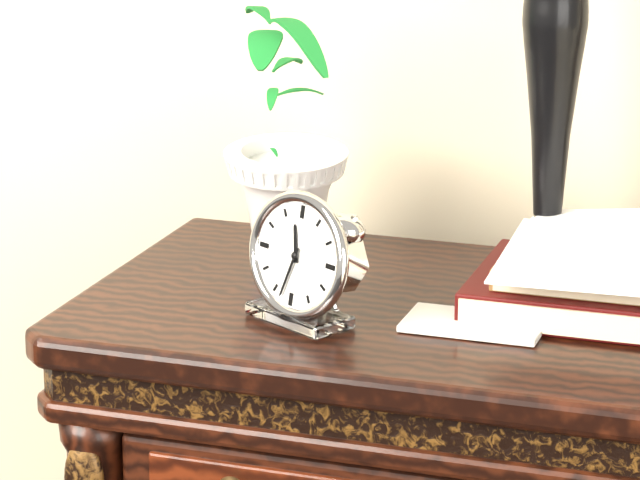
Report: 11:33
